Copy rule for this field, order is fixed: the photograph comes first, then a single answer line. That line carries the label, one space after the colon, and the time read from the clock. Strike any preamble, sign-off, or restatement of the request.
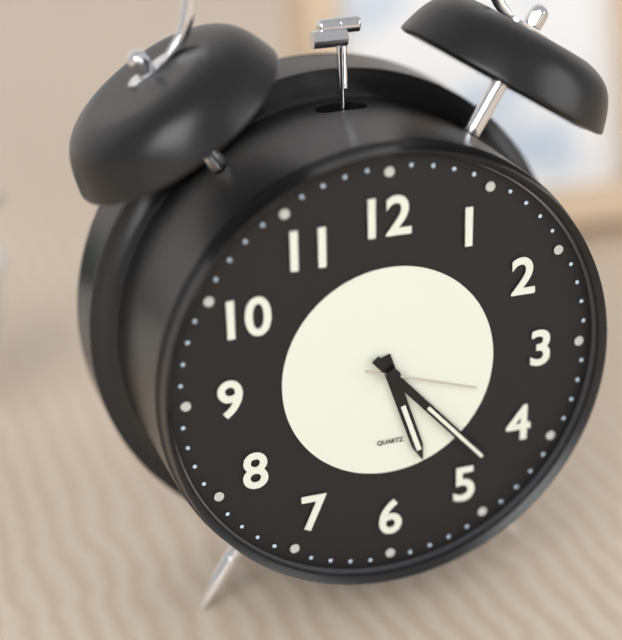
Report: 5:23:18
